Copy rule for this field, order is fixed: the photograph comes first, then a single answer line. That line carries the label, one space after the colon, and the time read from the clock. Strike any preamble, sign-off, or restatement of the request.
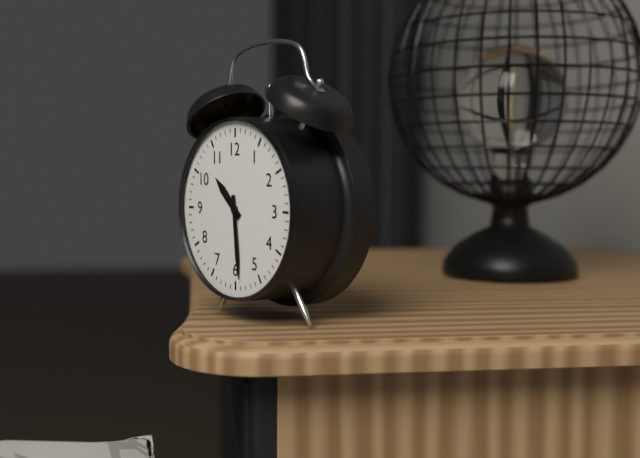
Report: 10:29
